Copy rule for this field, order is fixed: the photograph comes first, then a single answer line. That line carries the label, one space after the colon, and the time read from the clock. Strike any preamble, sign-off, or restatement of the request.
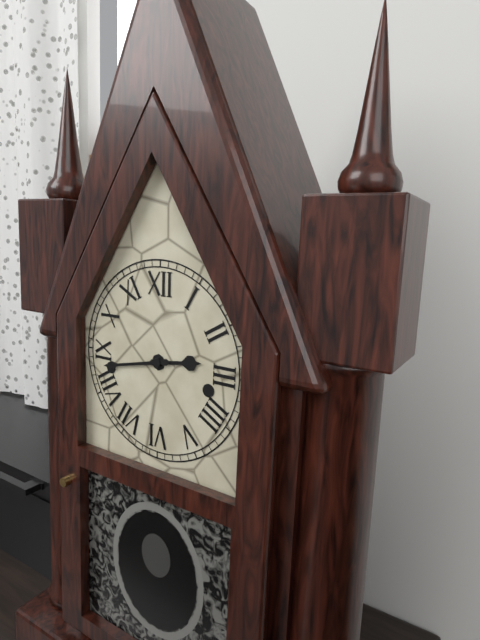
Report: 2:43
